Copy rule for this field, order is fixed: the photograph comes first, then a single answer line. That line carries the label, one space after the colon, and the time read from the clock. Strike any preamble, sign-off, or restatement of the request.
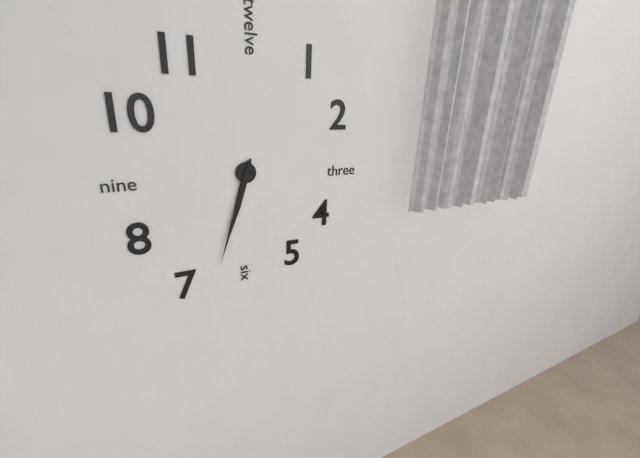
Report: 6:33
